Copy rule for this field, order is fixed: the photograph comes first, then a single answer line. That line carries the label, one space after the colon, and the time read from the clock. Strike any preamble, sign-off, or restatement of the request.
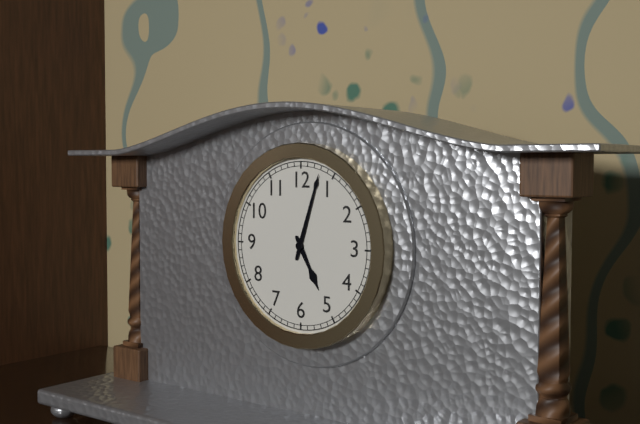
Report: 5:03
